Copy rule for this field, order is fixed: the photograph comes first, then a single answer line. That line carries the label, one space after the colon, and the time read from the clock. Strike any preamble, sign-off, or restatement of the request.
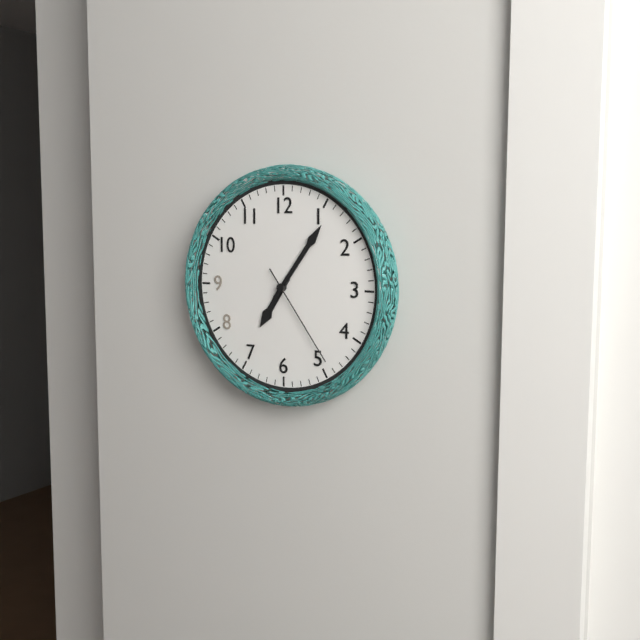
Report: 7:06:24
